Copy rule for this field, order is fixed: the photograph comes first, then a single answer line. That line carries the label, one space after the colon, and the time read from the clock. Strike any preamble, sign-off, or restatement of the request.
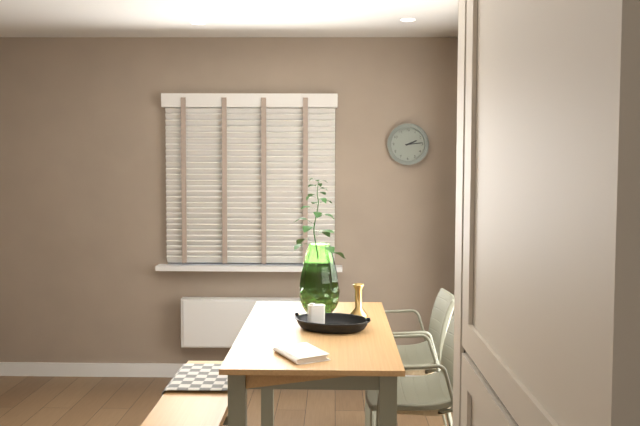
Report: 2:14
